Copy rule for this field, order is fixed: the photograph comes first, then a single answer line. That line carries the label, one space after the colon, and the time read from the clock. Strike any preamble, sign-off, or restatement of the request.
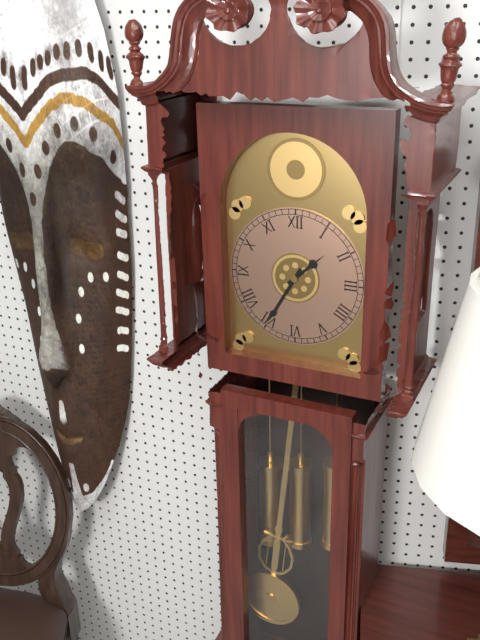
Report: 1:35
